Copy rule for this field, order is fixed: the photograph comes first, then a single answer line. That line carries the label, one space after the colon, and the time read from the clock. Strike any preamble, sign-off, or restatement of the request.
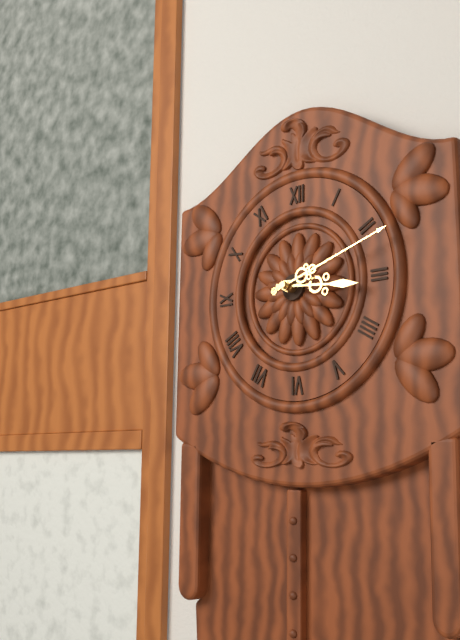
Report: 3:12
